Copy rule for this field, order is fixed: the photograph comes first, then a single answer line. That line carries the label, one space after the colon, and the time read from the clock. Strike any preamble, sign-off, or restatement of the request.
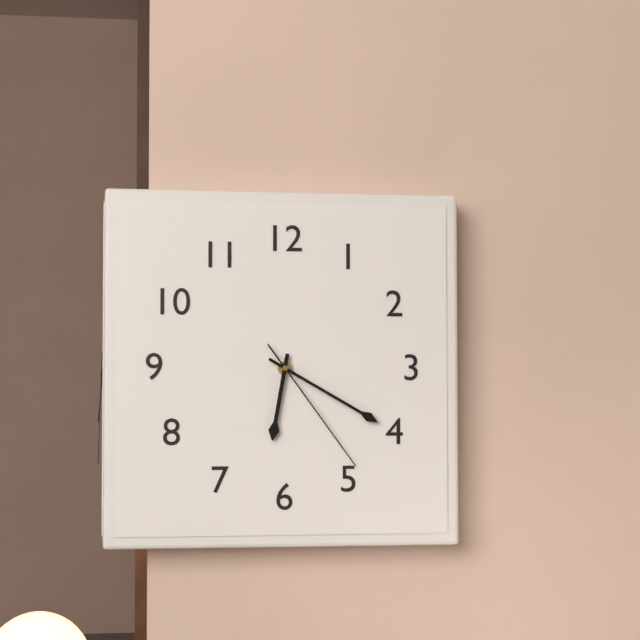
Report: 6:20:24
